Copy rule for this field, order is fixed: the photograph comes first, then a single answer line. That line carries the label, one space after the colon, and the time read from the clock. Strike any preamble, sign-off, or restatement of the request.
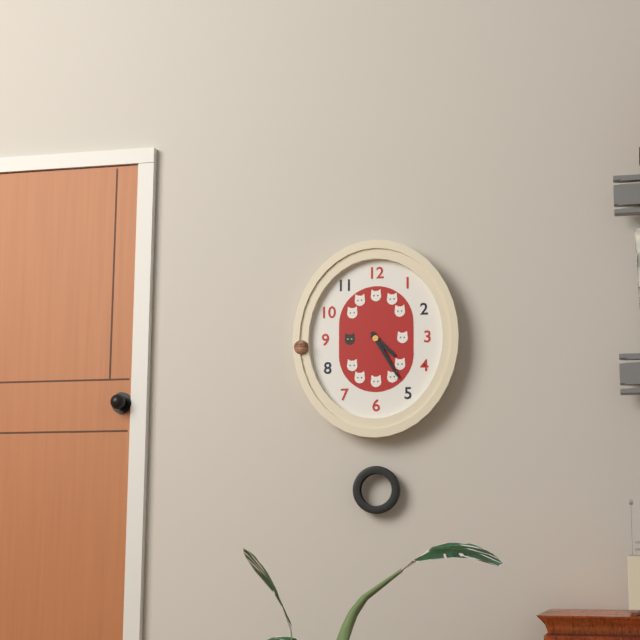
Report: 4:25
